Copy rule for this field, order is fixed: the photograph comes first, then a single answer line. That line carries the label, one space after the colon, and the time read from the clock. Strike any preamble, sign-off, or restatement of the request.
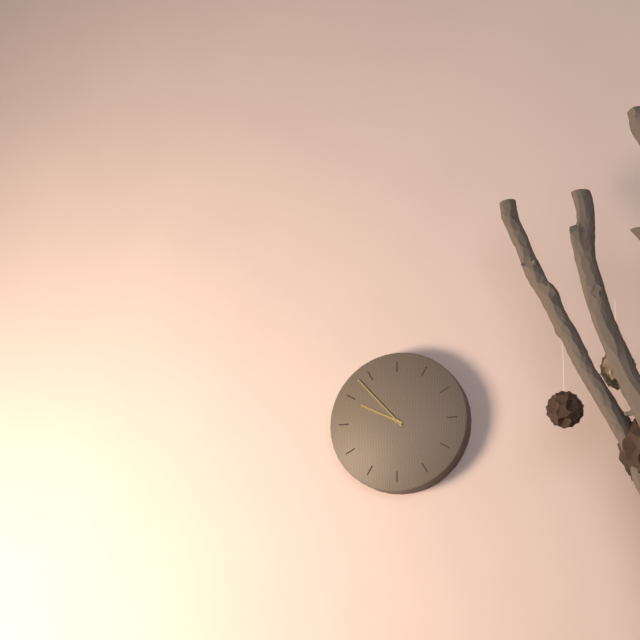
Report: 9:53
